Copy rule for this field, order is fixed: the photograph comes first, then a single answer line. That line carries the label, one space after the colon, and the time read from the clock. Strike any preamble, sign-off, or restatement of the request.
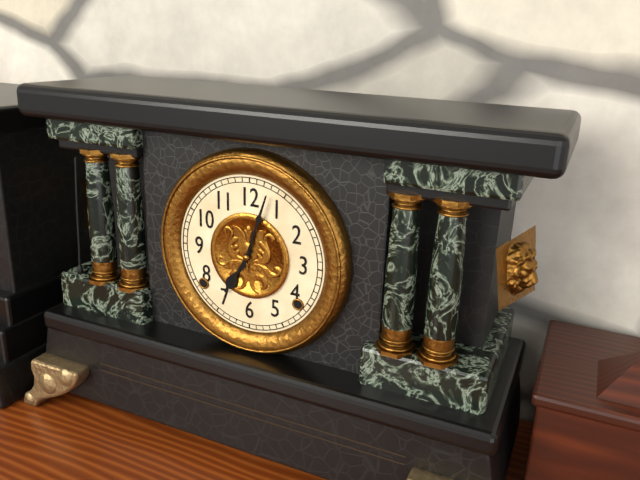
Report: 7:03
